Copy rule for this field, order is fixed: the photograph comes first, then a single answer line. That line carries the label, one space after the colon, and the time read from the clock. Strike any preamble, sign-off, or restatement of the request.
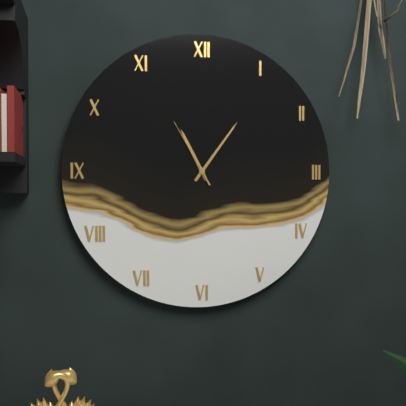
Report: 11:06:55
